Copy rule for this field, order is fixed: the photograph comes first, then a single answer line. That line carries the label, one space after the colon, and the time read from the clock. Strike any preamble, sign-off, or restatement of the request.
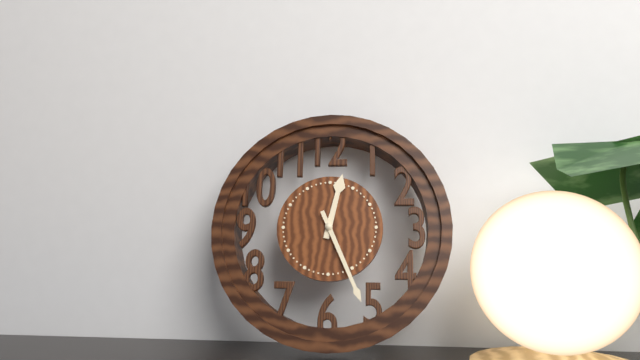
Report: 12:26
